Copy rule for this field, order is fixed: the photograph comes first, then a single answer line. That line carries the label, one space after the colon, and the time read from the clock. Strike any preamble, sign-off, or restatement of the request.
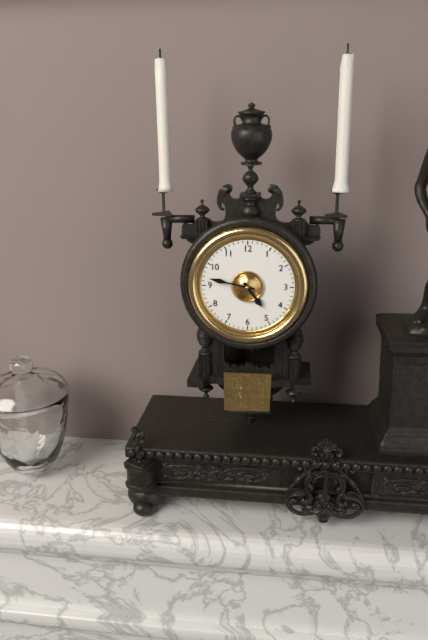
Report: 4:47
